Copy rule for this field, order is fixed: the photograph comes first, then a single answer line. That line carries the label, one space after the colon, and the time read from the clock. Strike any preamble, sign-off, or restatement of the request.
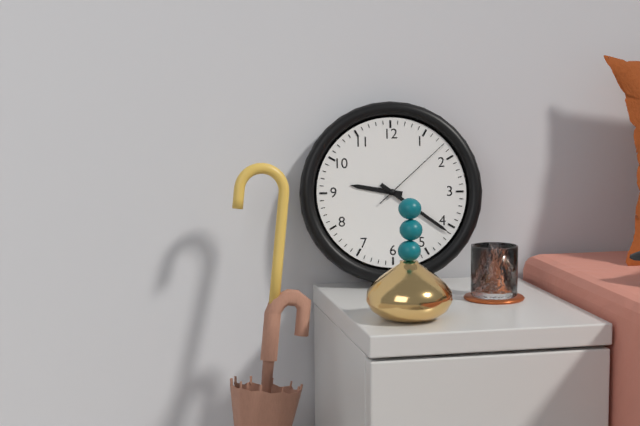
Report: 9:21:08
